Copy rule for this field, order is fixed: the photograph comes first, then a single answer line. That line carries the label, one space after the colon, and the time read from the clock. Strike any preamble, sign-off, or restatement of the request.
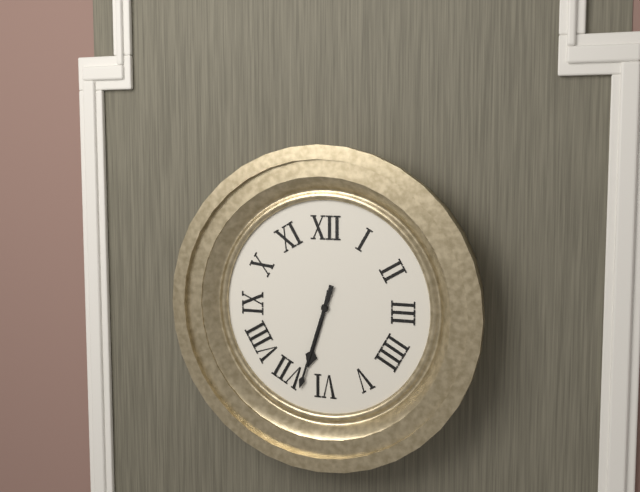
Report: 6:33
